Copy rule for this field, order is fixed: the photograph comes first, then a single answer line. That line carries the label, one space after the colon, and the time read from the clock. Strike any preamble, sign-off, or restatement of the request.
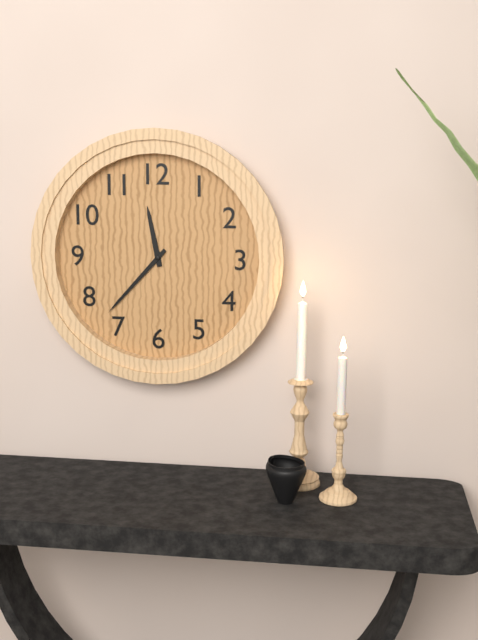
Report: 11:37
